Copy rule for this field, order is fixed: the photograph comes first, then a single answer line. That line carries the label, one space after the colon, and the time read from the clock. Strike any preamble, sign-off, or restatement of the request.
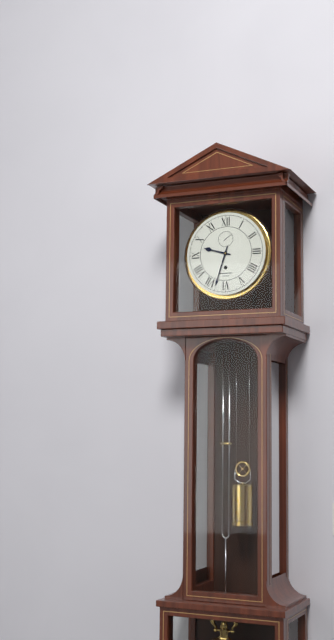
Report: 9:33
